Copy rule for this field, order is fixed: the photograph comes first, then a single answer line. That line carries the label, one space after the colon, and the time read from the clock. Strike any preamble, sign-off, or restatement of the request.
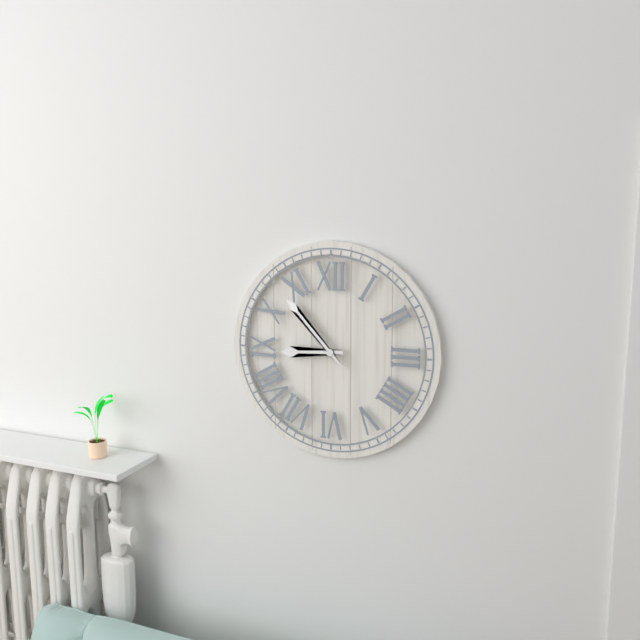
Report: 8:53
